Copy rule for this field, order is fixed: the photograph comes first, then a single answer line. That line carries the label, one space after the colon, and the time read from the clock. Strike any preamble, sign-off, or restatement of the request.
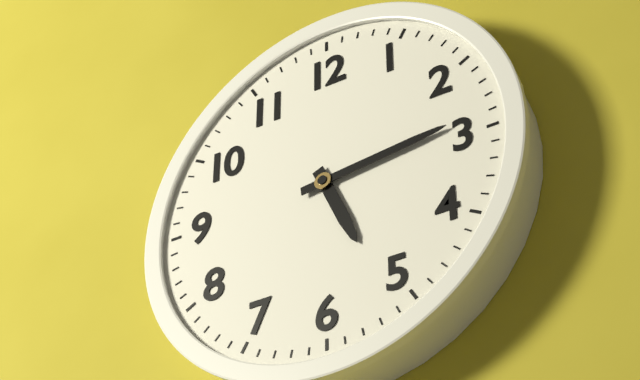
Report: 5:14
